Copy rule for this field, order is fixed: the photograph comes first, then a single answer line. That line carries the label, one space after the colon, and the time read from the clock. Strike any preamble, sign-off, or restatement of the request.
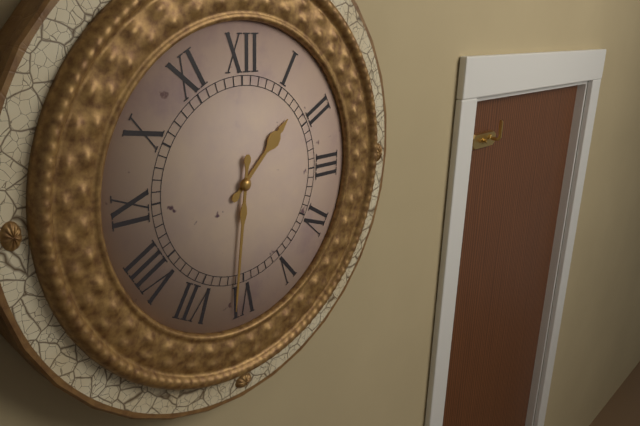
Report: 1:31
